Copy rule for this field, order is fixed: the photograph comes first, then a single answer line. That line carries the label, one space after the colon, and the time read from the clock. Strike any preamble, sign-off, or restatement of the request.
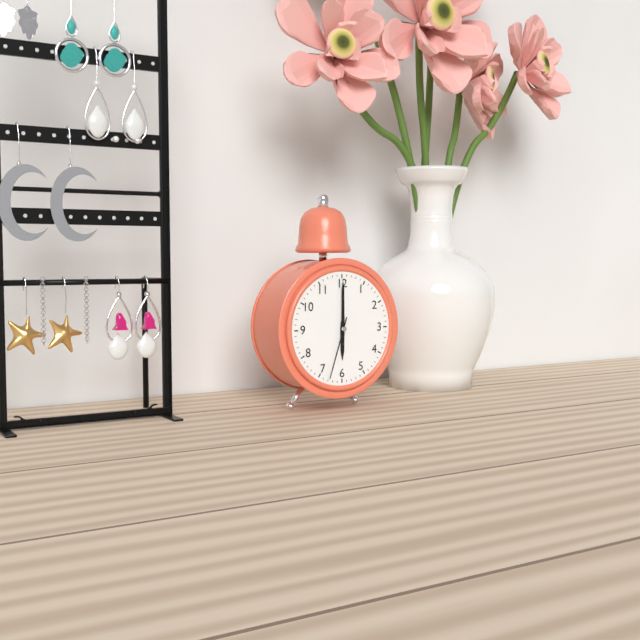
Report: 6:00:33
